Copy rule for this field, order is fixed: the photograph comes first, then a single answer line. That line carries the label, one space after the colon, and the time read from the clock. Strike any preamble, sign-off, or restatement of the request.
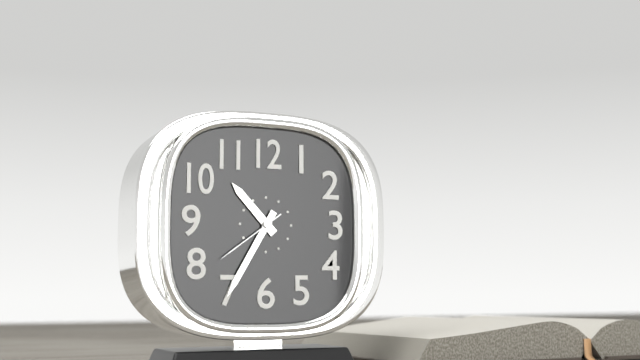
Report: 10:35:39
